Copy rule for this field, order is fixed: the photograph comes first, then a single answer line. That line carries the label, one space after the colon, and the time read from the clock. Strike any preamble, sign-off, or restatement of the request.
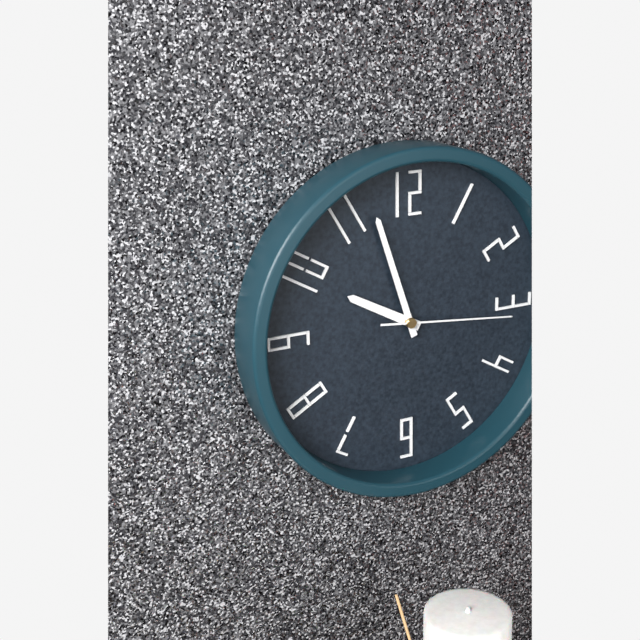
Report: 9:57:16
